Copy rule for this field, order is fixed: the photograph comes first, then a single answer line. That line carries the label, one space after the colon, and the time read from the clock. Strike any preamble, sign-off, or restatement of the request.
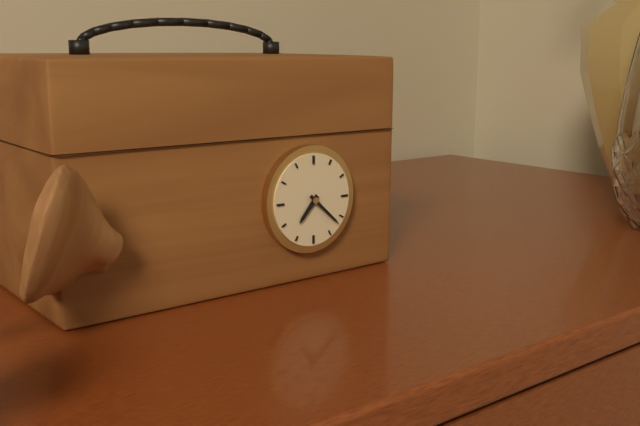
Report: 7:22
